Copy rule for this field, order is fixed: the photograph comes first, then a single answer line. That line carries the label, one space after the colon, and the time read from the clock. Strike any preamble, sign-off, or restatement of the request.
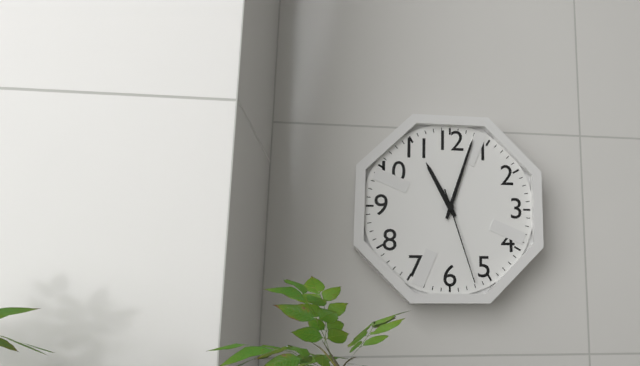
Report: 11:03:27
